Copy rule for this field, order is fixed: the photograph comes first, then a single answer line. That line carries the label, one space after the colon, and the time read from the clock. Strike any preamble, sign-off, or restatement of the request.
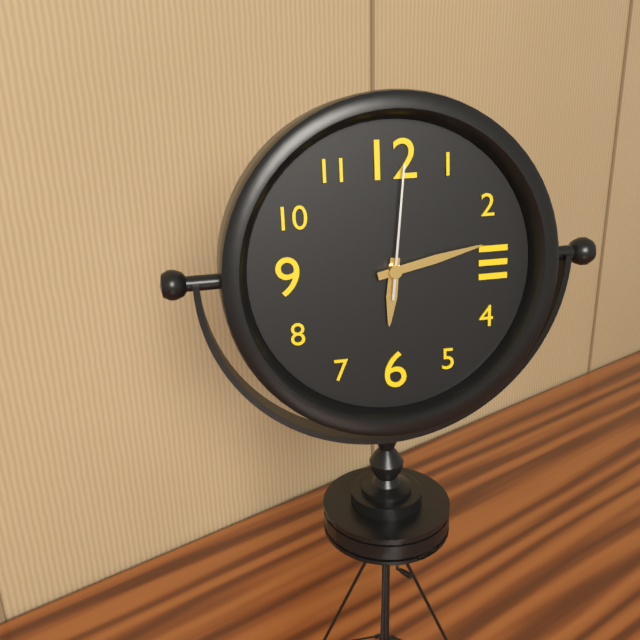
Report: 6:13:01
